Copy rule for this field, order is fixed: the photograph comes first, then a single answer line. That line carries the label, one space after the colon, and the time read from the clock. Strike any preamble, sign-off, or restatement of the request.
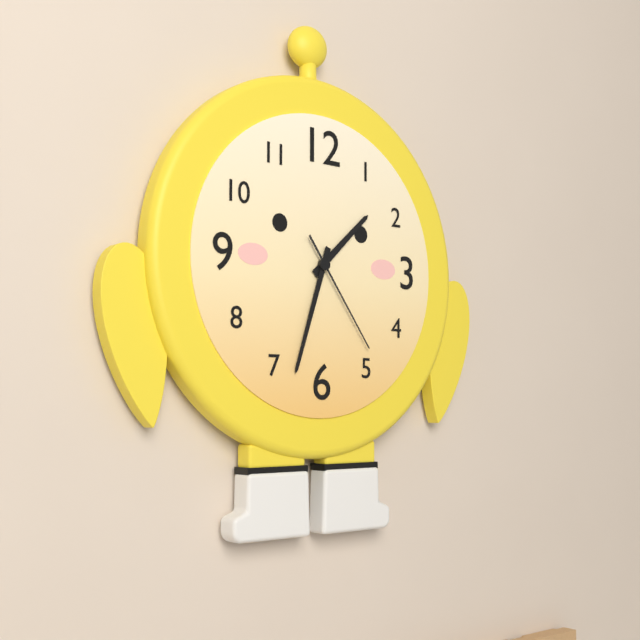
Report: 1:33:24
